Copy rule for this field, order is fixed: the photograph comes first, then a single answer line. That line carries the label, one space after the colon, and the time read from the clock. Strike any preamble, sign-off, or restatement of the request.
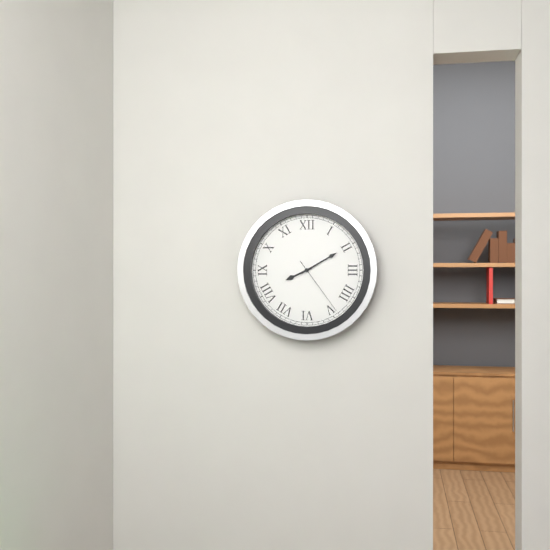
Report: 8:10:24
